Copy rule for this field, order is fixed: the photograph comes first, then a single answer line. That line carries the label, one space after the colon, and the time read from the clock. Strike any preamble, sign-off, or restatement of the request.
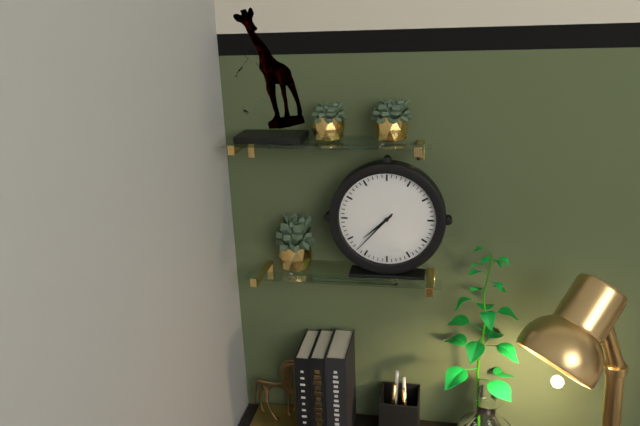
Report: 7:37
